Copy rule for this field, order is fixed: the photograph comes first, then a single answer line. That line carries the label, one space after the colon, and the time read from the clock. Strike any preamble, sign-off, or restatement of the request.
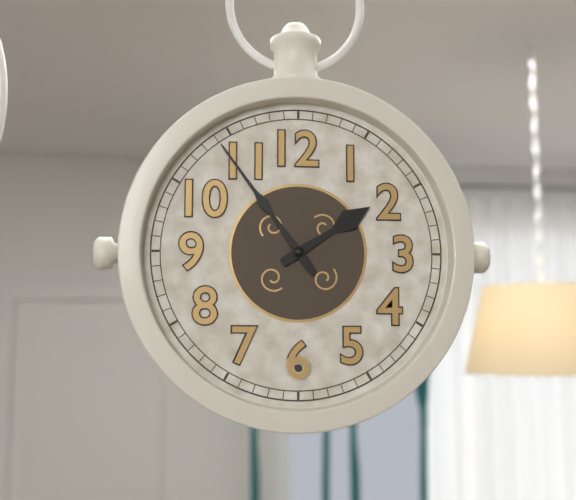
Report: 1:54
